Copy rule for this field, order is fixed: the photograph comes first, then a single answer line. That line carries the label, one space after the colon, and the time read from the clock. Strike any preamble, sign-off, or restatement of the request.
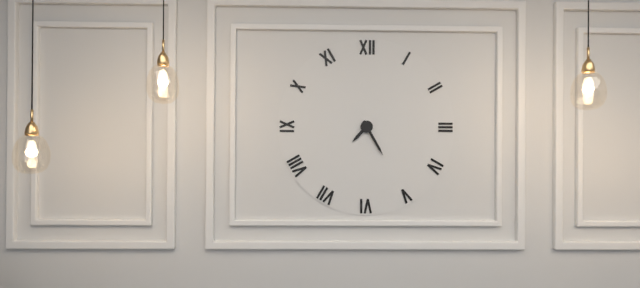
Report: 7:25
